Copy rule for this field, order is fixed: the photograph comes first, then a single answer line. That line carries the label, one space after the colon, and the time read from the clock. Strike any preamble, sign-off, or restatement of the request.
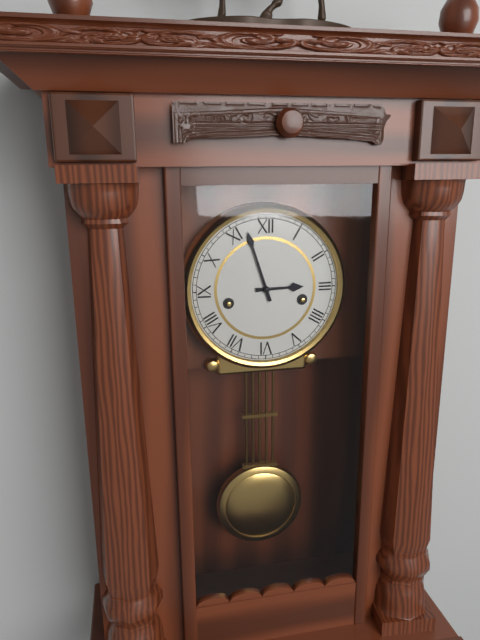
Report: 2:57
